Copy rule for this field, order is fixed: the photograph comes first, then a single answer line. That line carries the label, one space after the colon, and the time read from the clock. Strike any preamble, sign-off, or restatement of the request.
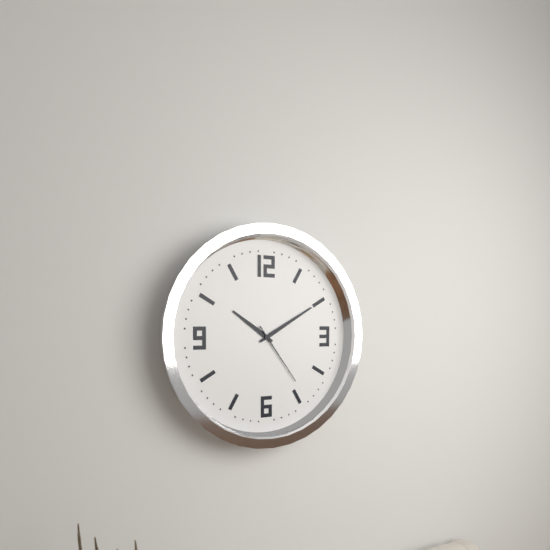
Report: 10:10:24
